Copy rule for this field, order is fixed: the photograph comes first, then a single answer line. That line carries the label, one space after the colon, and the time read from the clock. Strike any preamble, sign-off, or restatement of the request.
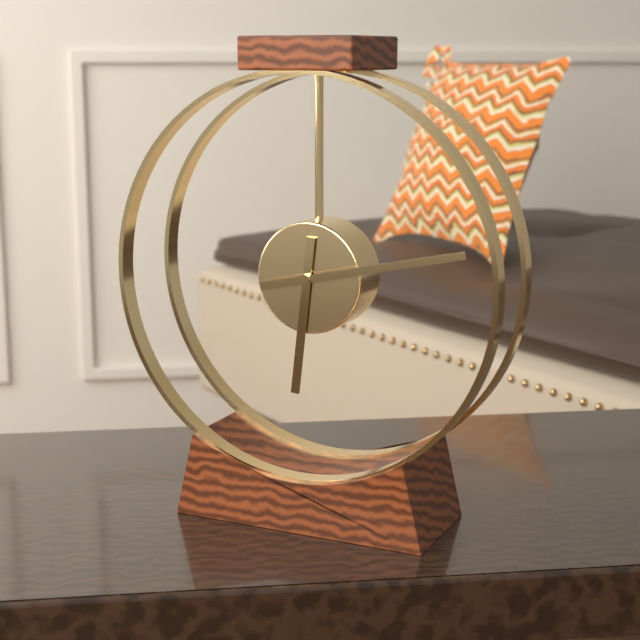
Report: 6:13
